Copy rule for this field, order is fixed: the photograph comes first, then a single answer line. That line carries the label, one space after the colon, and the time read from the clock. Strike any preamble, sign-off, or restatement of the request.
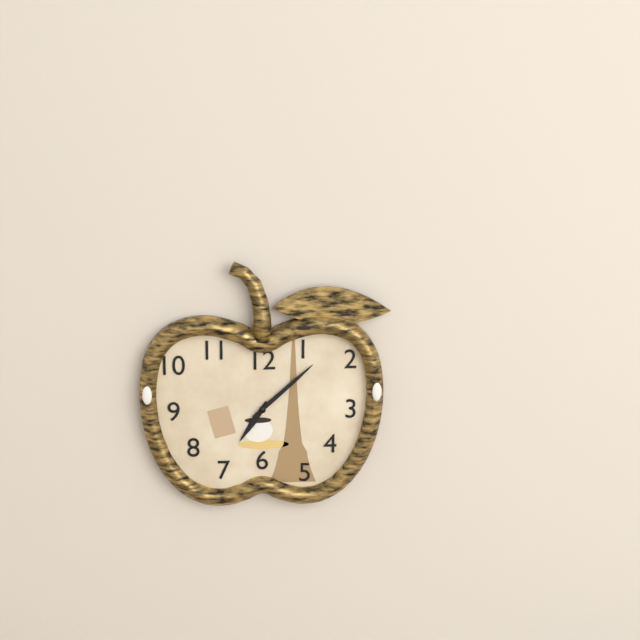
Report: 7:08
